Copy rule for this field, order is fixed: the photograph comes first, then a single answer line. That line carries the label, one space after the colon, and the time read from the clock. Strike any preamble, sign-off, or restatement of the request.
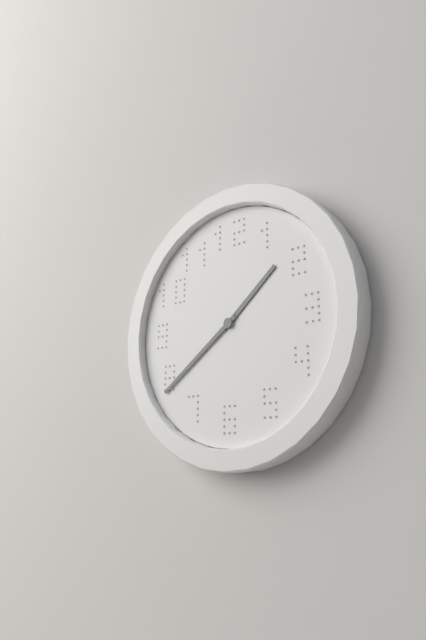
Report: 1:39
